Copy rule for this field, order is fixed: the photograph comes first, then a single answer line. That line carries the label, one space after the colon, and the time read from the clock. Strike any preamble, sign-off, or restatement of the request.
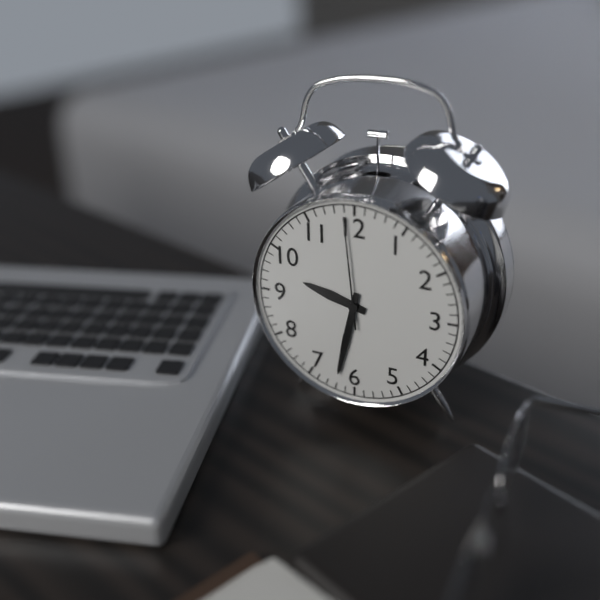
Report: 9:32:59
